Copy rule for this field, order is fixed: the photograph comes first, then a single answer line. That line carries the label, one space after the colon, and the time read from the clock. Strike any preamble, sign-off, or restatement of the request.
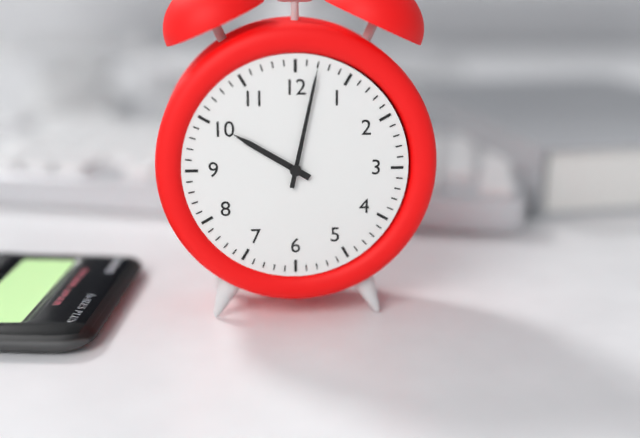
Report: 10:02
